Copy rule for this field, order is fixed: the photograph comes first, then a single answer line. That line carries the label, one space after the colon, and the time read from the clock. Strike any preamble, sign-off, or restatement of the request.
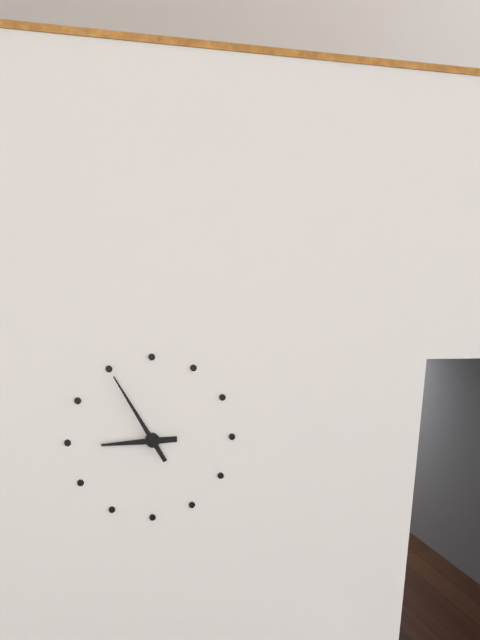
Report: 8:55
